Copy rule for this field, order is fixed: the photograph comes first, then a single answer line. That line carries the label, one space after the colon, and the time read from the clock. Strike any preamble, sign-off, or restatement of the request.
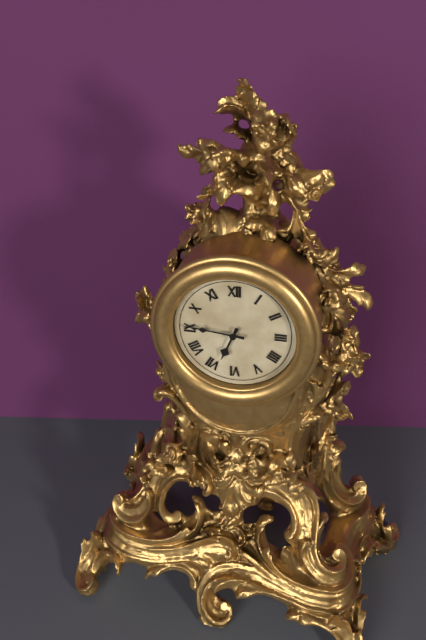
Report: 6:46
